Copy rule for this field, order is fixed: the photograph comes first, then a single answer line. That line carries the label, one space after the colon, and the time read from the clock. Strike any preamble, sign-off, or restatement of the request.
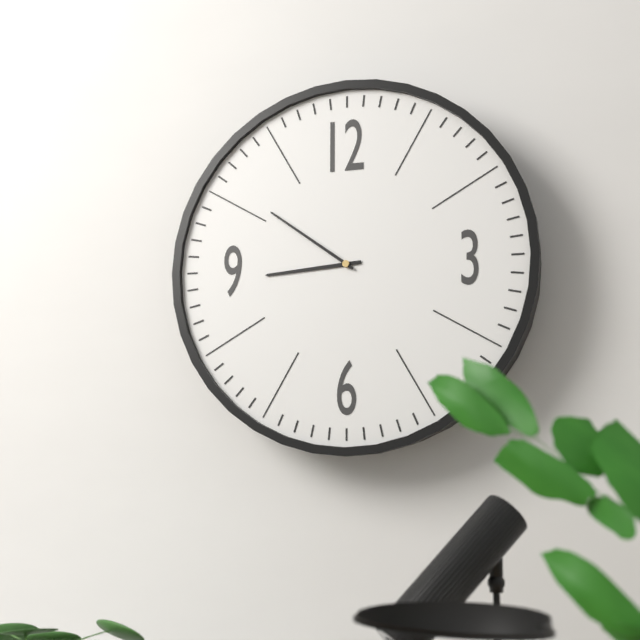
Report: 8:51
